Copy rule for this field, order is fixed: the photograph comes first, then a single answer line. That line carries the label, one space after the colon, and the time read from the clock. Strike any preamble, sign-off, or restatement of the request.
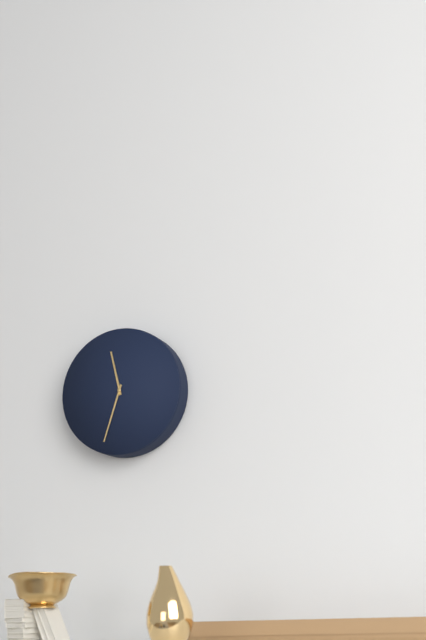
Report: 11:33
